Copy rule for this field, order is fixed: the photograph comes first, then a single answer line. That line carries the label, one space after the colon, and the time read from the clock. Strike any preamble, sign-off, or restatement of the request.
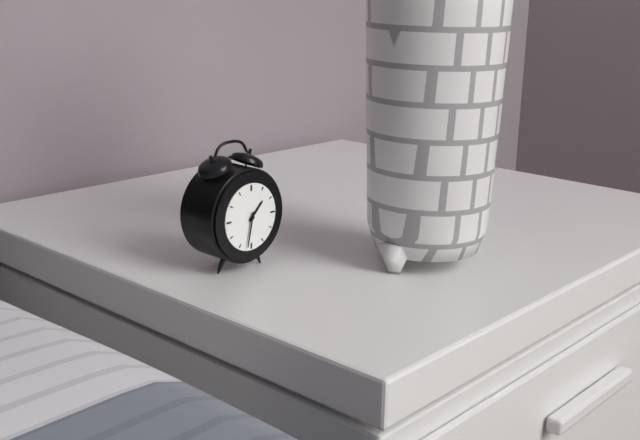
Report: 1:32
